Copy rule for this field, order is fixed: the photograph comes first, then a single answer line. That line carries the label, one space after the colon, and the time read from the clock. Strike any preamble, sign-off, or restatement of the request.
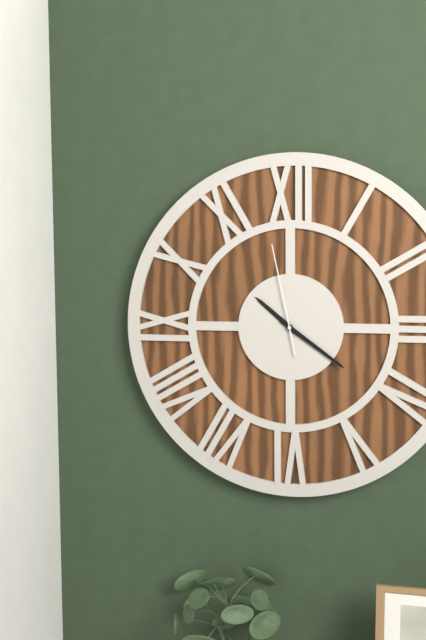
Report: 10:21:58
